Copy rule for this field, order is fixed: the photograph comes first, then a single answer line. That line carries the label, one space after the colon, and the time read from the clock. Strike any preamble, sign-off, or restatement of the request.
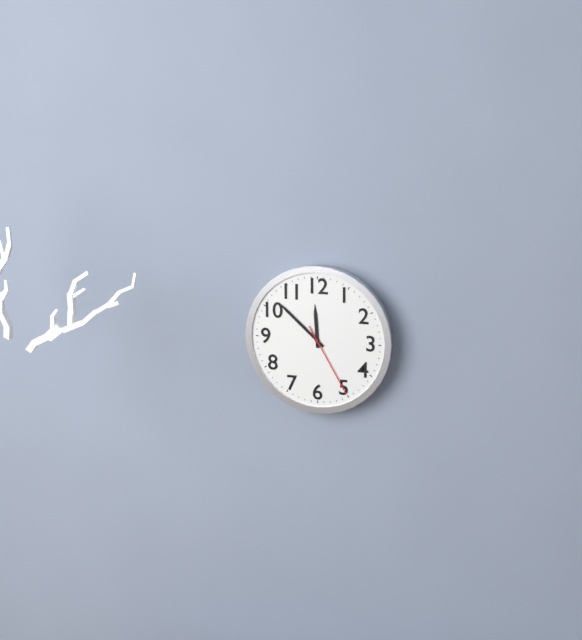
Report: 11:52:25
